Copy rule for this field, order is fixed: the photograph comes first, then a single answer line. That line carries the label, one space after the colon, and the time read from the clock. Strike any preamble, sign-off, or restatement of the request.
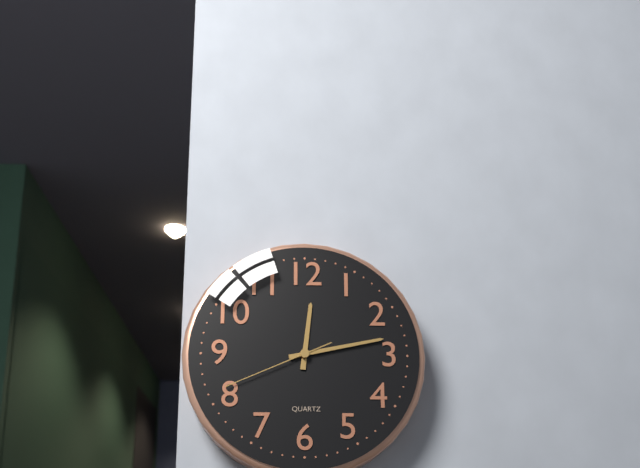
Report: 12:13:41
